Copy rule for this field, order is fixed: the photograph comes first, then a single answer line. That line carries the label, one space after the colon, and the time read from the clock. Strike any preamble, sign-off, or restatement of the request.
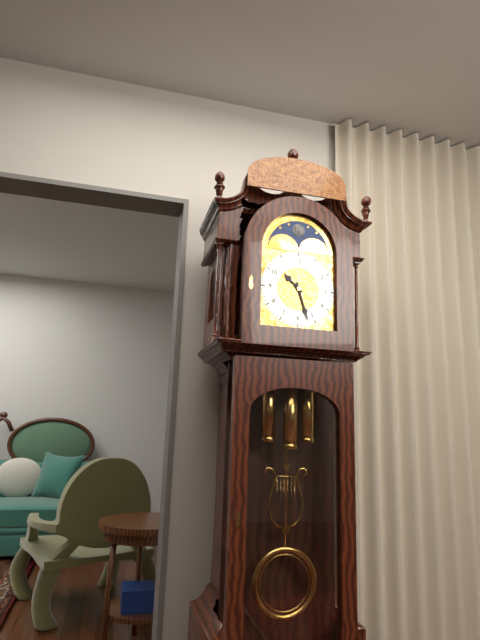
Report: 10:27
